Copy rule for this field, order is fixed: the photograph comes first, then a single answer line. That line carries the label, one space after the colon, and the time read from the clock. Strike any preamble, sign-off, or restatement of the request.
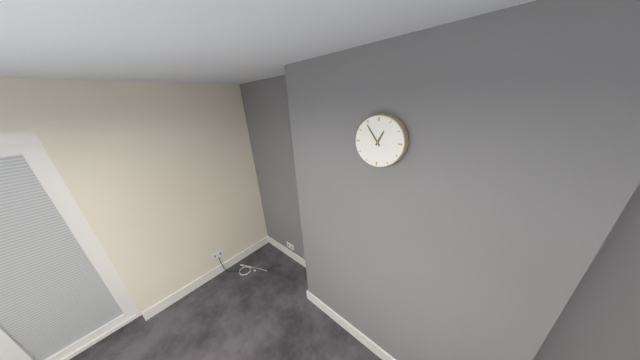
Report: 12:54
